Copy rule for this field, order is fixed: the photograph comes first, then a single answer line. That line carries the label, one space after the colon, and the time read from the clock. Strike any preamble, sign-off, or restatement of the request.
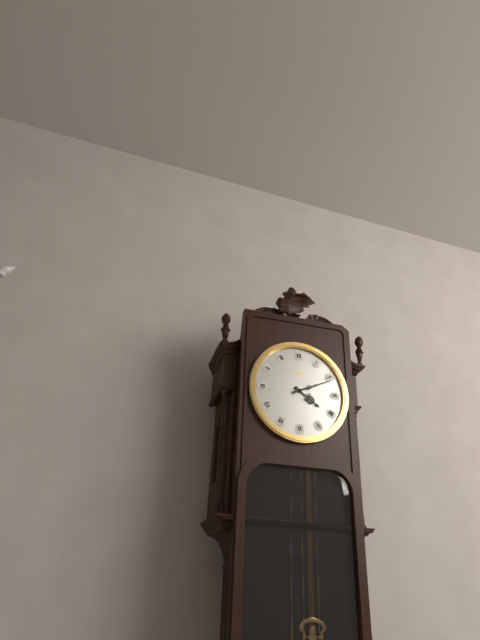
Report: 4:11
